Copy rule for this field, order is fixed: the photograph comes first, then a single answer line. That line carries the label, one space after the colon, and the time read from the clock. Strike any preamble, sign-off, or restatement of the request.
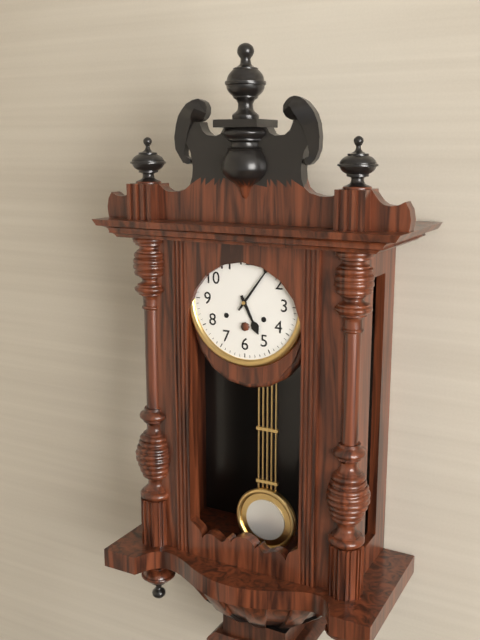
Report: 5:06
